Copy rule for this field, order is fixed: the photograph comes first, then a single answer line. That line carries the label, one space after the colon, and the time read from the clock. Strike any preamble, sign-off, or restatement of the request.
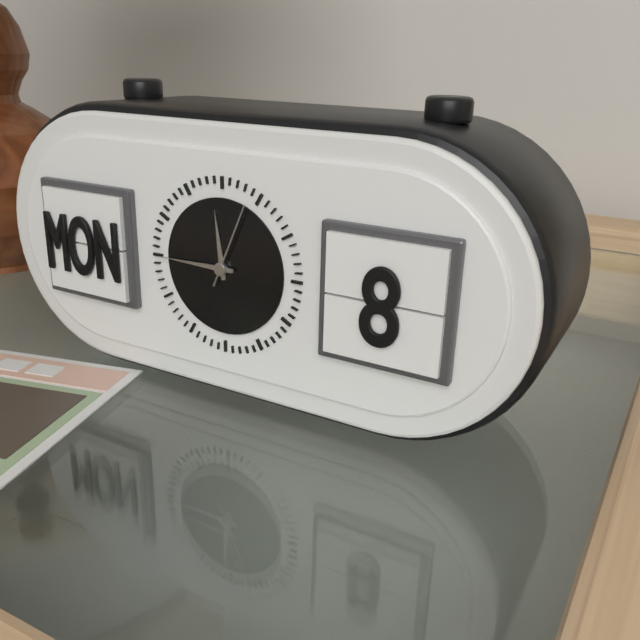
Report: 11:45:04
